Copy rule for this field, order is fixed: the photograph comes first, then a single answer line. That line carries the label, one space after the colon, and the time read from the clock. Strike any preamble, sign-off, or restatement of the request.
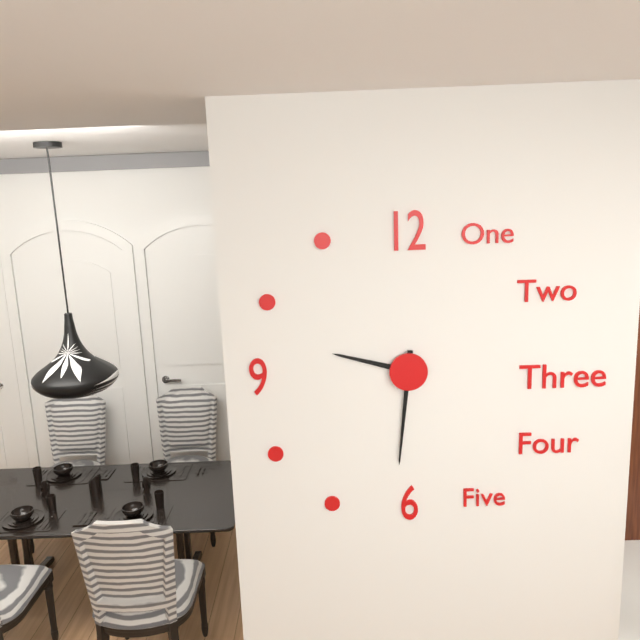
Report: 9:31
